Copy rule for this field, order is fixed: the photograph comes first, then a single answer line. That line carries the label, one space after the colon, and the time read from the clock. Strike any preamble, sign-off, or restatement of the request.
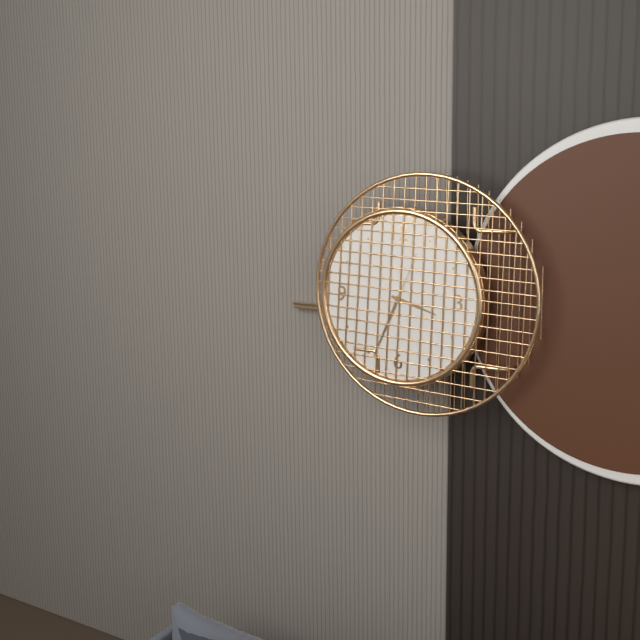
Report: 3:34:34
